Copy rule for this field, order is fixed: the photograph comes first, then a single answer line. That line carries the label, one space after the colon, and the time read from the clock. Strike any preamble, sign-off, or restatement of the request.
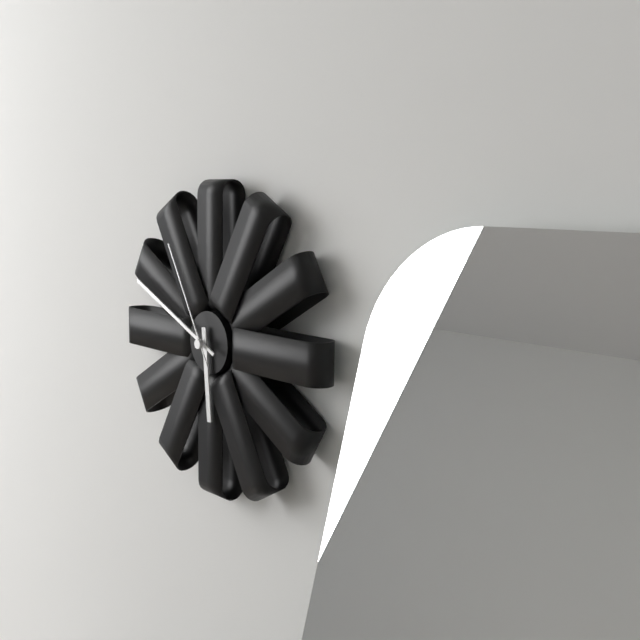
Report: 5:49:55
